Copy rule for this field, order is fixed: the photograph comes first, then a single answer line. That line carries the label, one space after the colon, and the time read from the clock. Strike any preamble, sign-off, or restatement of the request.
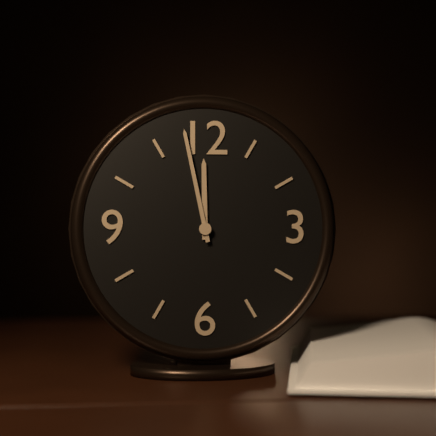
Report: 11:58
